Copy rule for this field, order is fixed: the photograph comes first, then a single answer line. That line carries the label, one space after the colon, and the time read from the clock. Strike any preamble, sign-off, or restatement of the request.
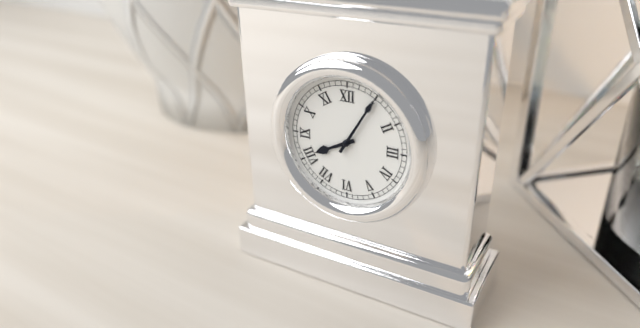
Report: 8:05
